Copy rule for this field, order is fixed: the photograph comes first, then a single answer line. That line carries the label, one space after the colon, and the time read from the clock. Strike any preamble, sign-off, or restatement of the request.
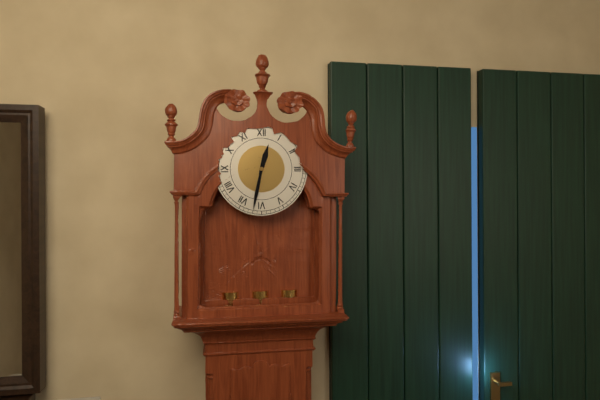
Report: 12:32
